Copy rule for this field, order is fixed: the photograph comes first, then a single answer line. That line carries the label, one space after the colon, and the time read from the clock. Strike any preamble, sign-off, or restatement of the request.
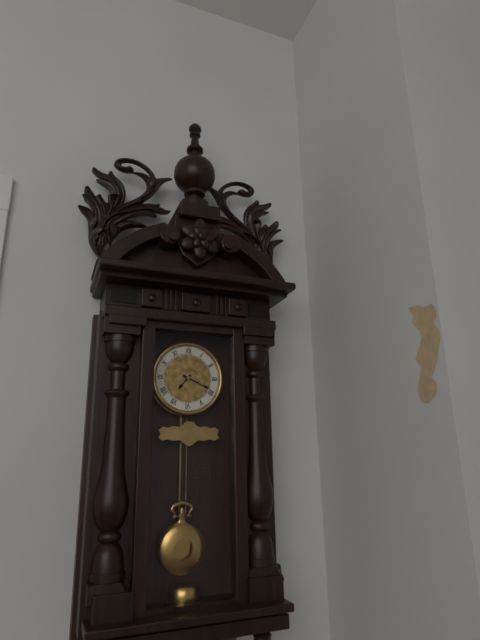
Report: 7:19
